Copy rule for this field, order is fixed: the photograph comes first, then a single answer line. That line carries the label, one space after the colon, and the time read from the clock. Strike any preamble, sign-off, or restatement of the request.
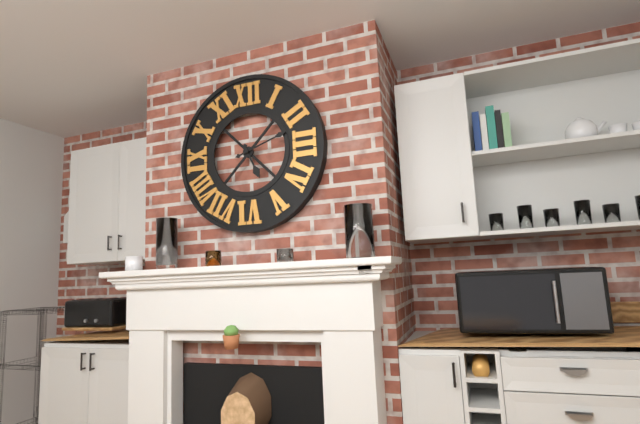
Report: 5:12
